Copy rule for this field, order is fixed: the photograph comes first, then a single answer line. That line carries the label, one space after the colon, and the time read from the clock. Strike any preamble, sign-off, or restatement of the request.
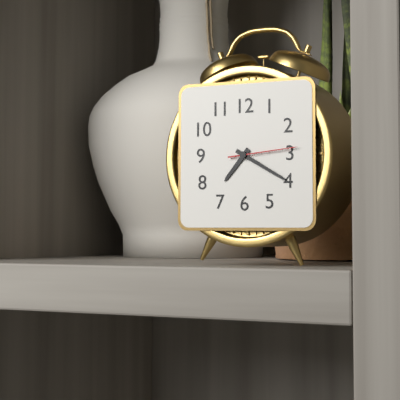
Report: 7:20:14
